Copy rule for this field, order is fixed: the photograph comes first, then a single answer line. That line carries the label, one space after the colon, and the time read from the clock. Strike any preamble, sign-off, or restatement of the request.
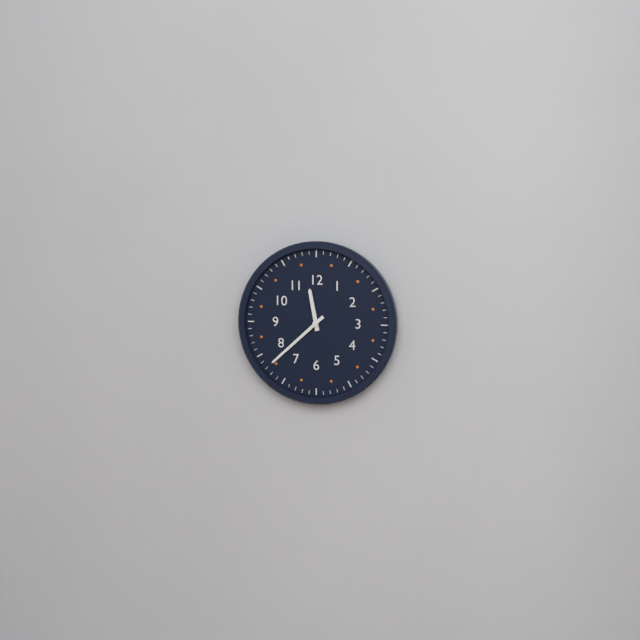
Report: 11:38
